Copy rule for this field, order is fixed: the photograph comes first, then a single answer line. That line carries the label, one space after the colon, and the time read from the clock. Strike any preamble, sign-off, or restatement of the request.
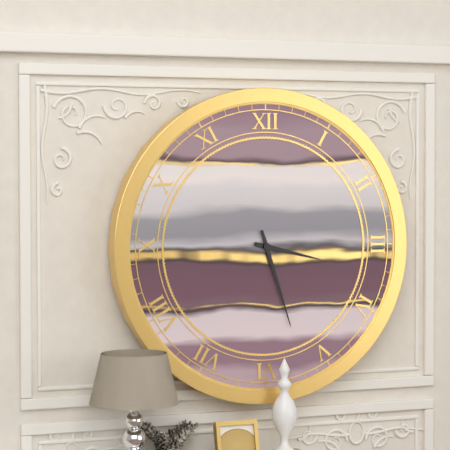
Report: 3:27
